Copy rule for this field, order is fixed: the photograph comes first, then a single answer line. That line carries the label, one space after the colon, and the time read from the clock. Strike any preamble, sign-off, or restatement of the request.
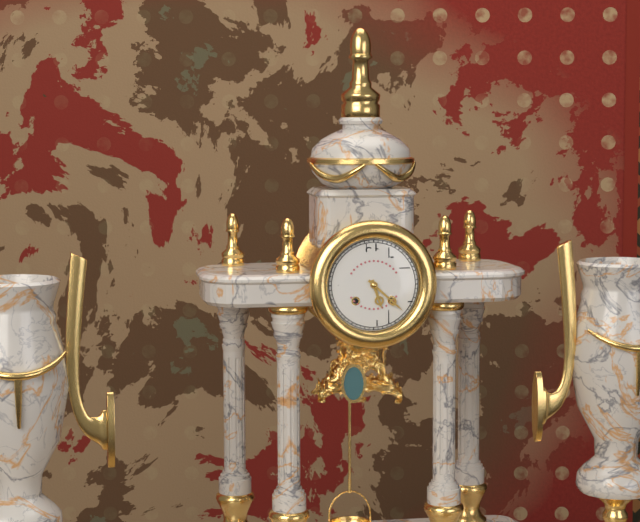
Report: 5:22
